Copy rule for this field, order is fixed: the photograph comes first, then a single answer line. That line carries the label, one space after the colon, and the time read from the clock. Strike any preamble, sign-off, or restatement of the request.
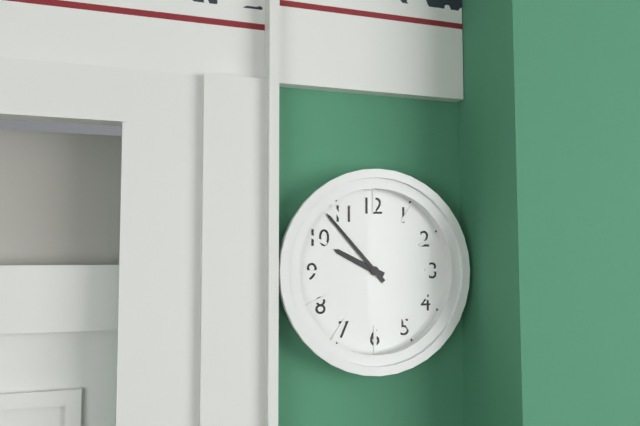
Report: 9:53
